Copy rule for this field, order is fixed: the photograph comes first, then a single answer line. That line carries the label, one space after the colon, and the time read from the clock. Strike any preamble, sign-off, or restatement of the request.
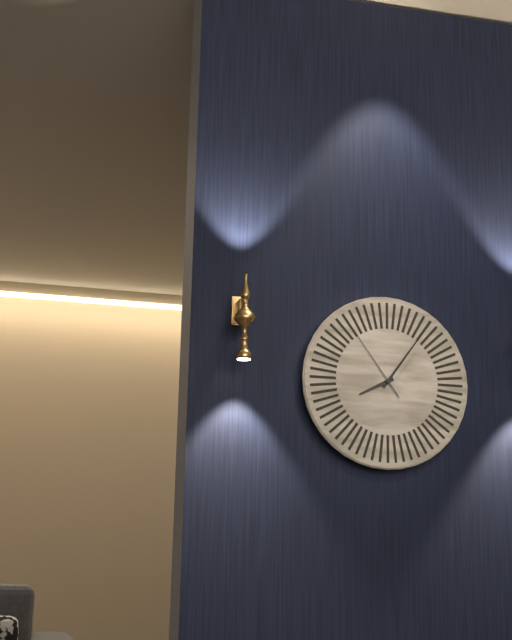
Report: 8:06:54
